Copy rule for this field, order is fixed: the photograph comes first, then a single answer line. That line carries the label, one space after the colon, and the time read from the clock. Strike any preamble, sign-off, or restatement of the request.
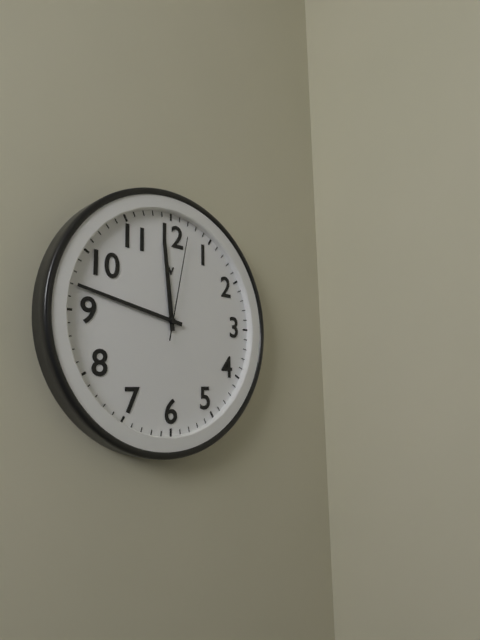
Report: 11:47:02
